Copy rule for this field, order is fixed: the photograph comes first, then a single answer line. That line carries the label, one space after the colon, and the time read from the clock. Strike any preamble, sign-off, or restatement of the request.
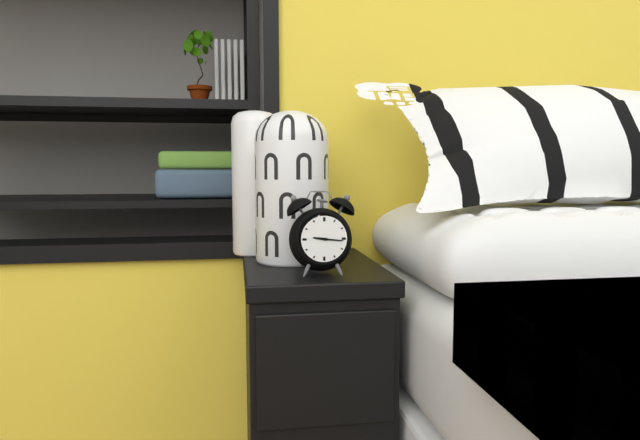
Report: 9:16
